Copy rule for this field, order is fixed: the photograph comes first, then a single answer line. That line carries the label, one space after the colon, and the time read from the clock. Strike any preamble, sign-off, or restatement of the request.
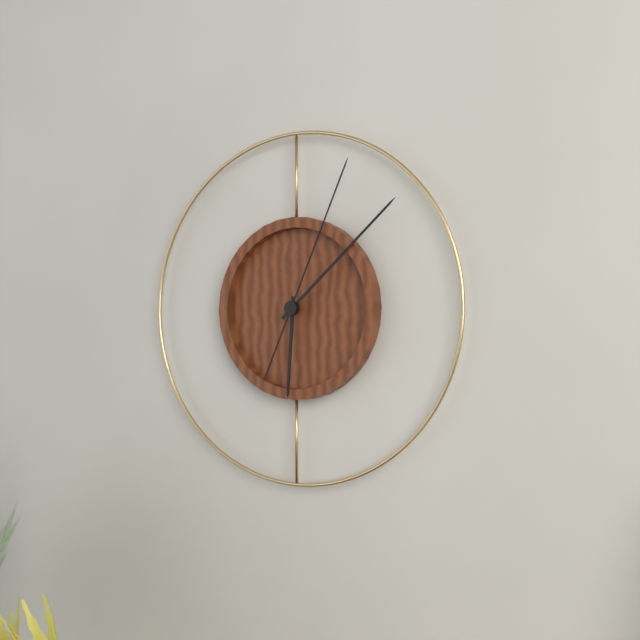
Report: 6:08:04
